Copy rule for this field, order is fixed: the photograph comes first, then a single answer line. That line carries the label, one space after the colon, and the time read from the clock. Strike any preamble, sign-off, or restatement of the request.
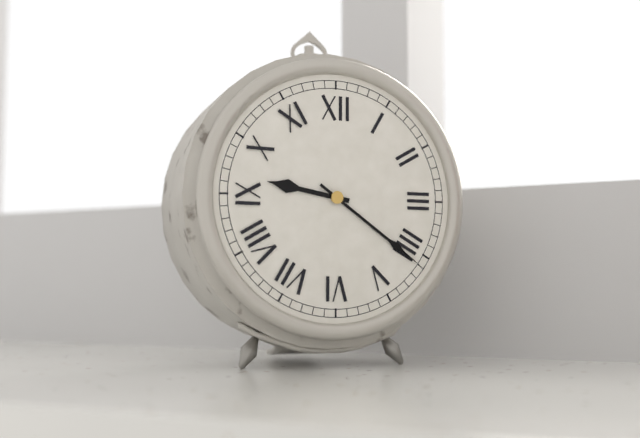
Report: 9:21
